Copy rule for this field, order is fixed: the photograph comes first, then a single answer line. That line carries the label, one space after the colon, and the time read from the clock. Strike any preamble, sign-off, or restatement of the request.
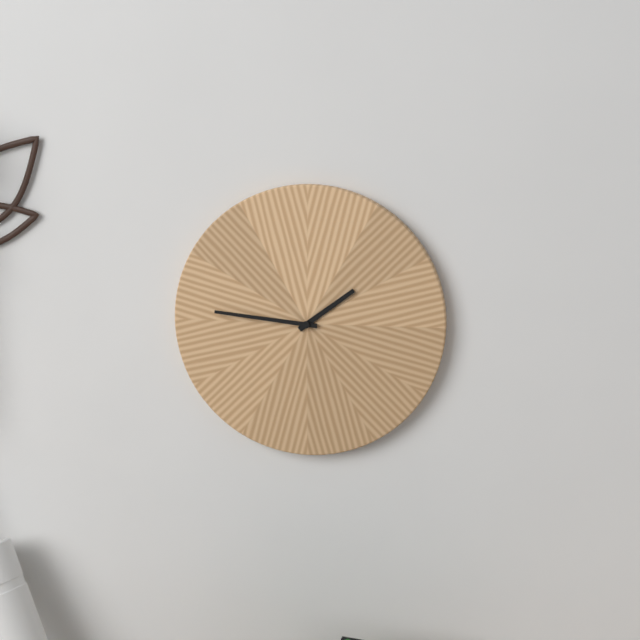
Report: 1:46
